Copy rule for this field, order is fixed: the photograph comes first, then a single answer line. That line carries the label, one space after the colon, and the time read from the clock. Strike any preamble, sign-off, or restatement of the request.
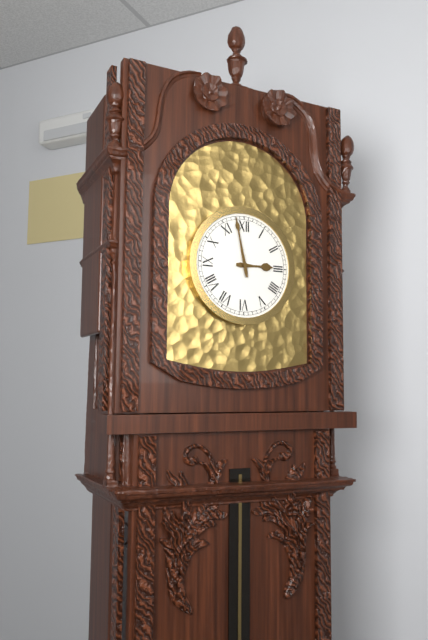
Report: 2:58
